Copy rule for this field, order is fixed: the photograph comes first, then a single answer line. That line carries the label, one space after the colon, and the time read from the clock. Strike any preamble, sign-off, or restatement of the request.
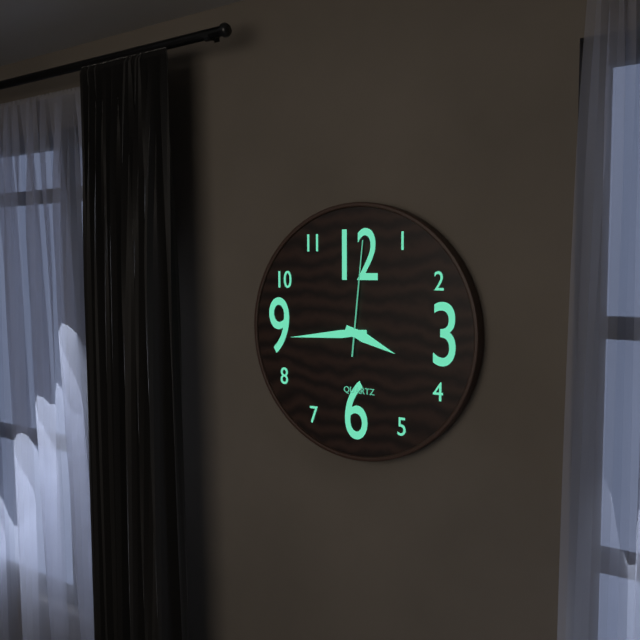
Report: 3:44:01
